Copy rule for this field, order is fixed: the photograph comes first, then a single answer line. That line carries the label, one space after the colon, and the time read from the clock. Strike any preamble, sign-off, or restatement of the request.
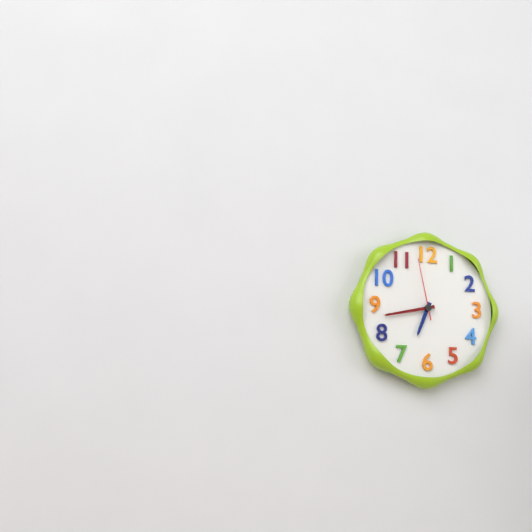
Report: 6:43:58
